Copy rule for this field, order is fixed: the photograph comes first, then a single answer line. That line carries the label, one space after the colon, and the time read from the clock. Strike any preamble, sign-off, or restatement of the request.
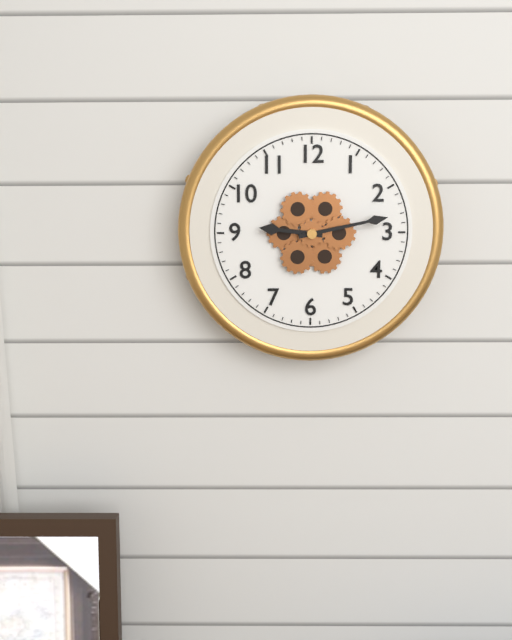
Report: 9:13
